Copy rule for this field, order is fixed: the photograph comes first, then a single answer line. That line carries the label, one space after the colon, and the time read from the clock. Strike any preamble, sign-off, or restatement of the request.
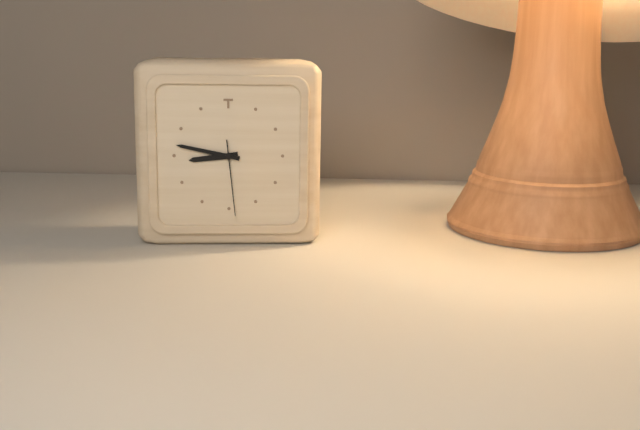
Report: 8:47:29
